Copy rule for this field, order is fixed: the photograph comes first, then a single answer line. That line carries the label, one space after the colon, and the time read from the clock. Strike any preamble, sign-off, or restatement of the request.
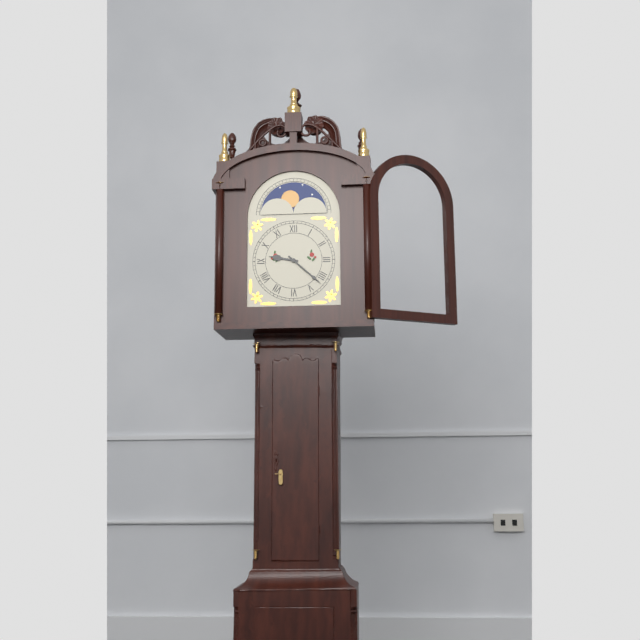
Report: 9:22
